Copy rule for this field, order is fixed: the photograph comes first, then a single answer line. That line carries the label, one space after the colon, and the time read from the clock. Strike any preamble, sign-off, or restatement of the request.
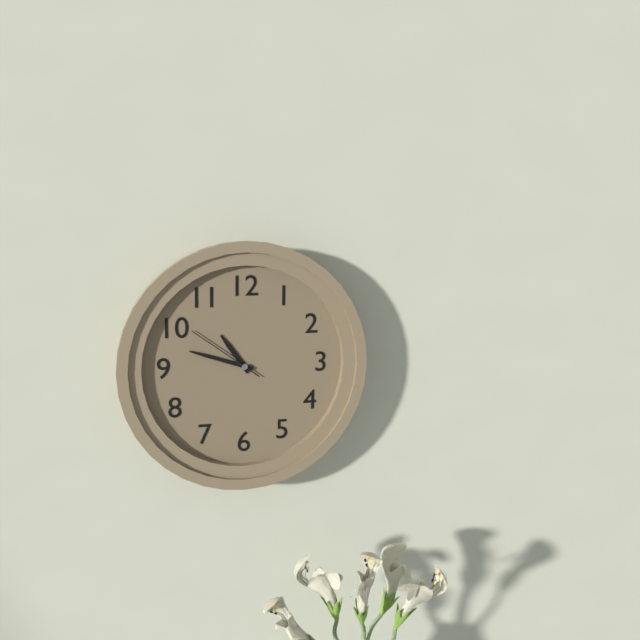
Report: 10:48:51
